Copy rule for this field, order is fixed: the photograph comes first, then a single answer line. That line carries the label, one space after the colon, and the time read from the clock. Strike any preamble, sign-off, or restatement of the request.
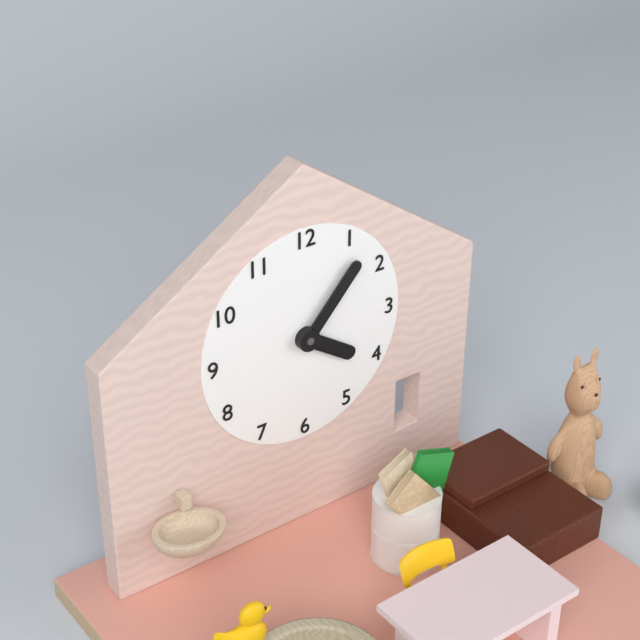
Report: 4:07
